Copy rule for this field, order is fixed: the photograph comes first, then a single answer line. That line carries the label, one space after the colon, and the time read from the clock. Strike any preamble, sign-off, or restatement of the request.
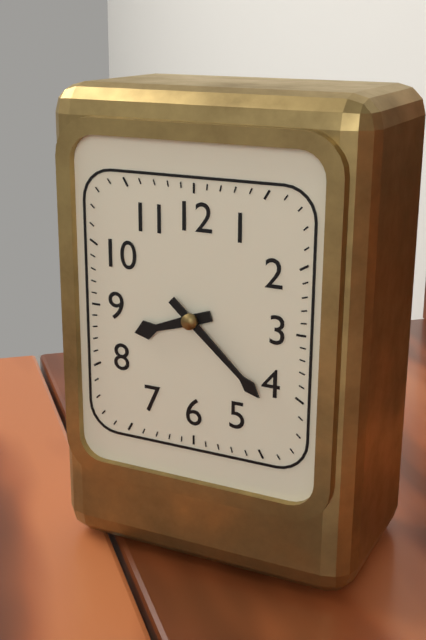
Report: 8:22
